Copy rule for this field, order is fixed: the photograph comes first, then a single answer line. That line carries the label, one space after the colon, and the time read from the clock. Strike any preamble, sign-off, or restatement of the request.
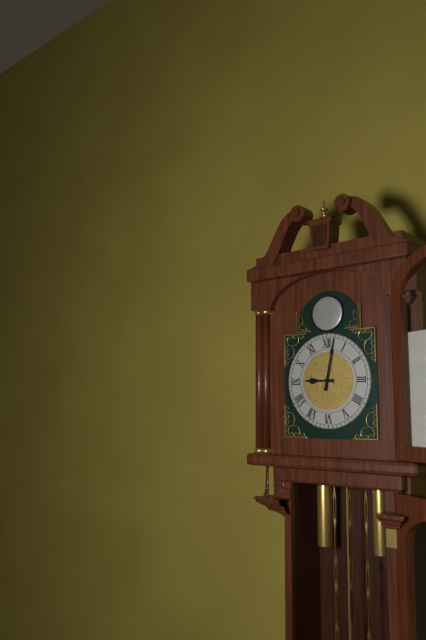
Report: 9:02
